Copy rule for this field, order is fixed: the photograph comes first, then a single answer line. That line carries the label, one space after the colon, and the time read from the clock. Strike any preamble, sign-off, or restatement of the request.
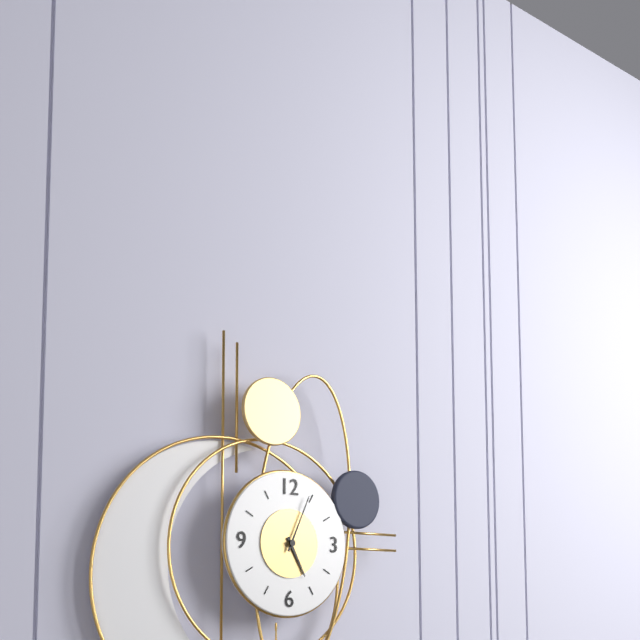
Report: 5:04
